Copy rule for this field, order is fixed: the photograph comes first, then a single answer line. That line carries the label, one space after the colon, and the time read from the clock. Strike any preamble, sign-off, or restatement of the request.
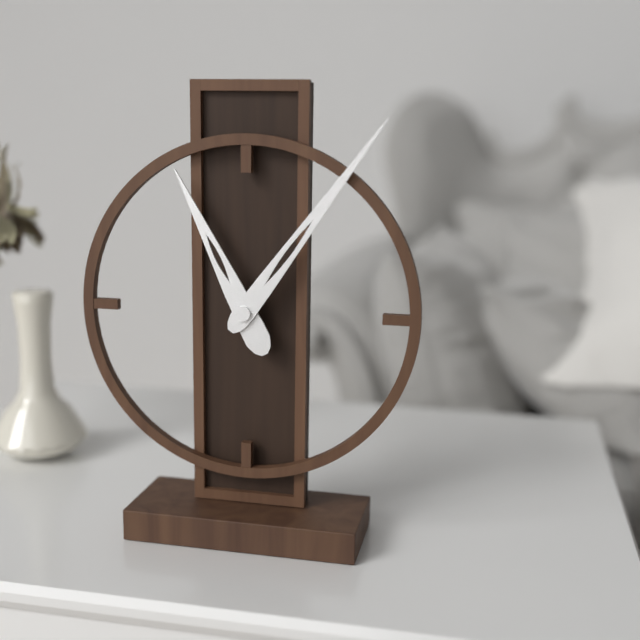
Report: 11:06
